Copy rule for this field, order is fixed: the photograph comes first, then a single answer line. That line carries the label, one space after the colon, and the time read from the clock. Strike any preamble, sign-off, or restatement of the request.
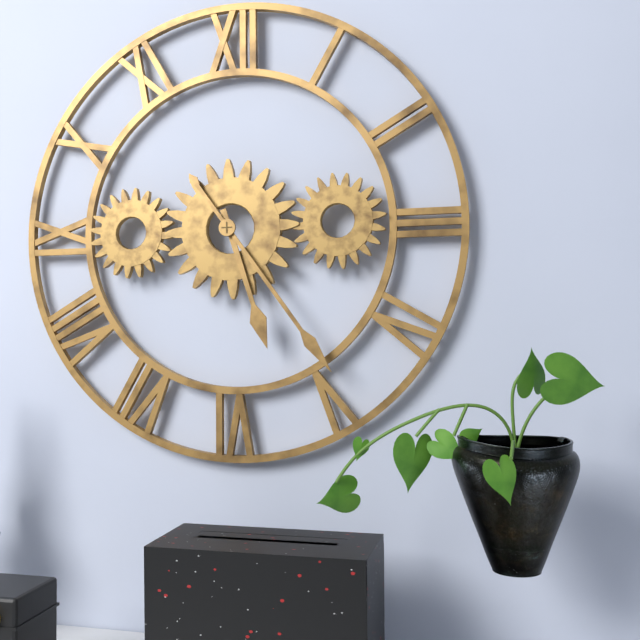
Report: 5:24
